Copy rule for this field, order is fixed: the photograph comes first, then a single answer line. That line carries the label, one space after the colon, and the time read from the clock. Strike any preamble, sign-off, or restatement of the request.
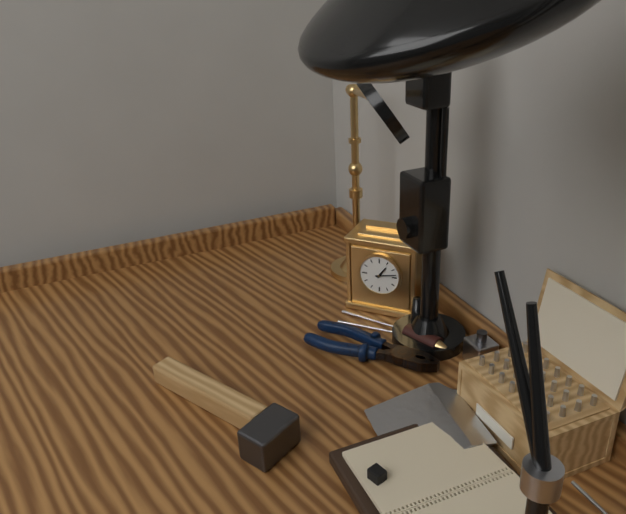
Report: 1:13
